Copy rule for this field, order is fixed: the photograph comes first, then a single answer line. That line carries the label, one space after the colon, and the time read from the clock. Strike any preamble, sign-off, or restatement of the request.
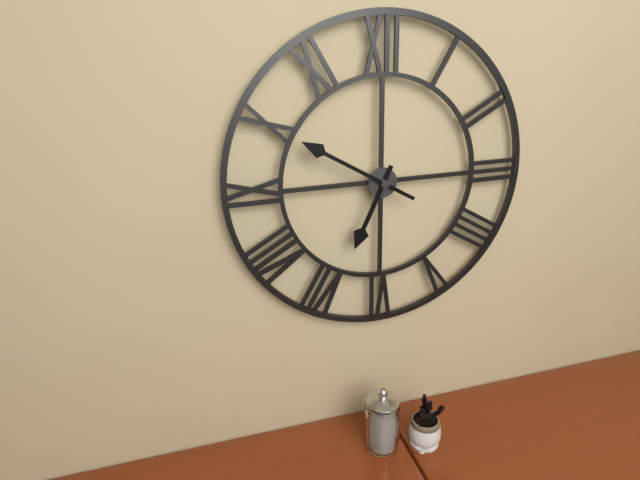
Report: 6:50
